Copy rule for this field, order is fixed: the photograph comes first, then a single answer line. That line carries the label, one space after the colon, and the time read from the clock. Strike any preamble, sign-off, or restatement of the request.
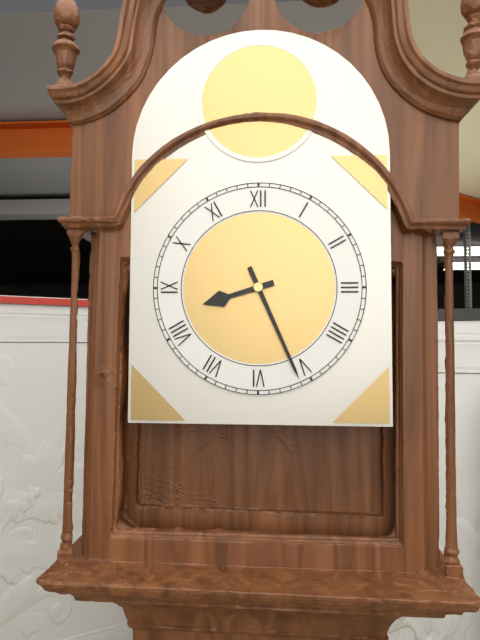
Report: 8:26
